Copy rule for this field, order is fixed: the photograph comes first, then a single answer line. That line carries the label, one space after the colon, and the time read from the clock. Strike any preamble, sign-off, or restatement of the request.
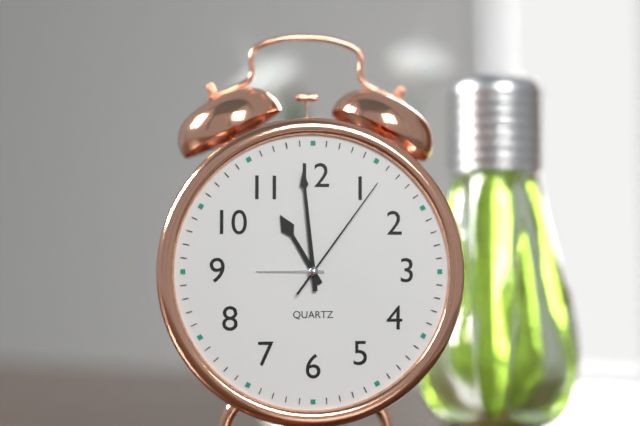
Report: 10:59:06
